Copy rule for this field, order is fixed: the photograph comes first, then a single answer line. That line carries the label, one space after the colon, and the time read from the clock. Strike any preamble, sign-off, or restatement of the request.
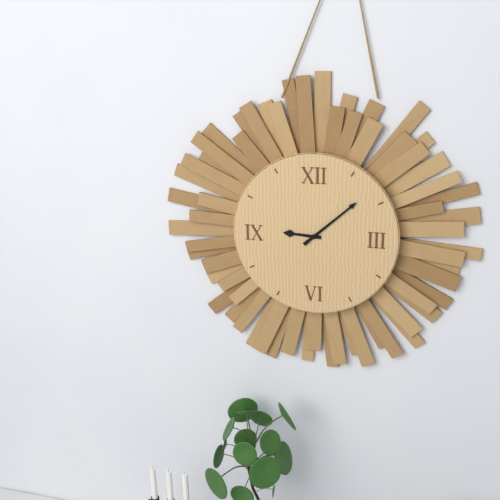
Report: 9:08
